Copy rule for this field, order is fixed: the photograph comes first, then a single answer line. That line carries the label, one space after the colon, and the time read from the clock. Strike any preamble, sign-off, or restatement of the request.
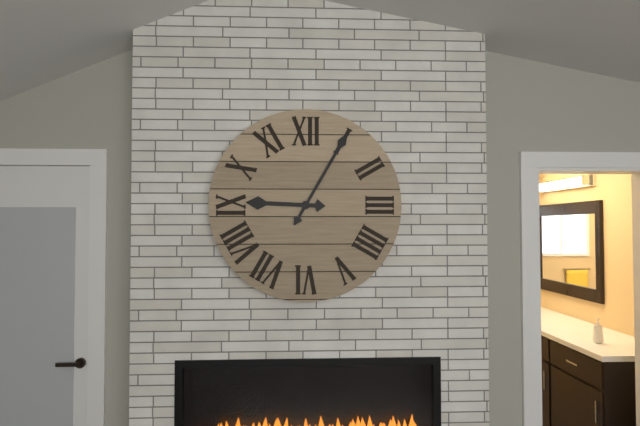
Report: 9:05
